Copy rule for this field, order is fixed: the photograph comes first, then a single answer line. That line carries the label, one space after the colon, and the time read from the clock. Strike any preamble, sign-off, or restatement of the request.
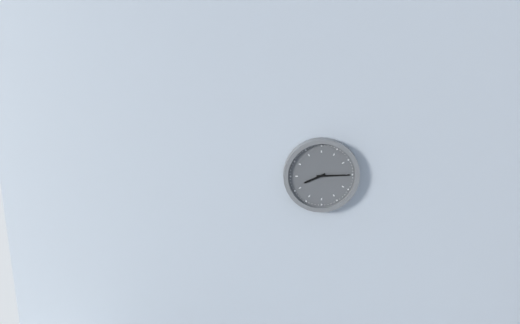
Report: 8:15
